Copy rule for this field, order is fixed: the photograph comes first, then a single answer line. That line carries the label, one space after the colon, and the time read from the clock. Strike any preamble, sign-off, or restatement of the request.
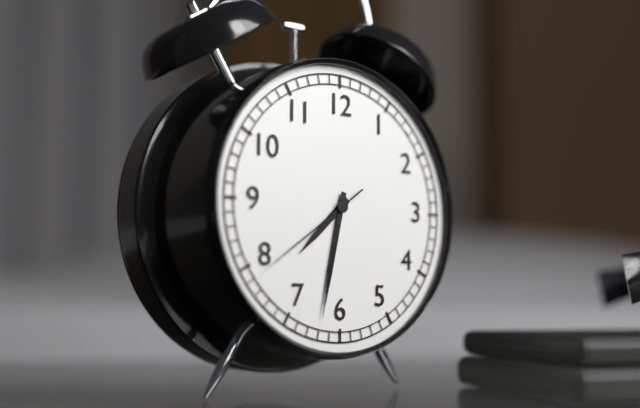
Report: 7:32:39
